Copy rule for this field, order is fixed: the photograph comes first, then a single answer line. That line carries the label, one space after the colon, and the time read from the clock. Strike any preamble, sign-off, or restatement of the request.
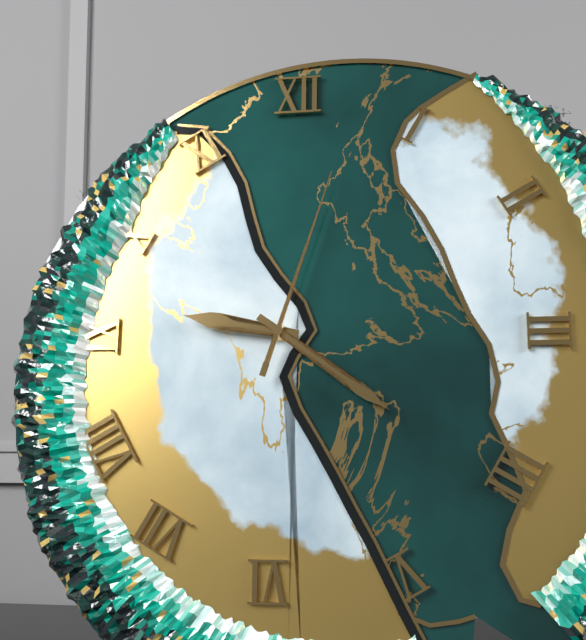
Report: 9:21:03
